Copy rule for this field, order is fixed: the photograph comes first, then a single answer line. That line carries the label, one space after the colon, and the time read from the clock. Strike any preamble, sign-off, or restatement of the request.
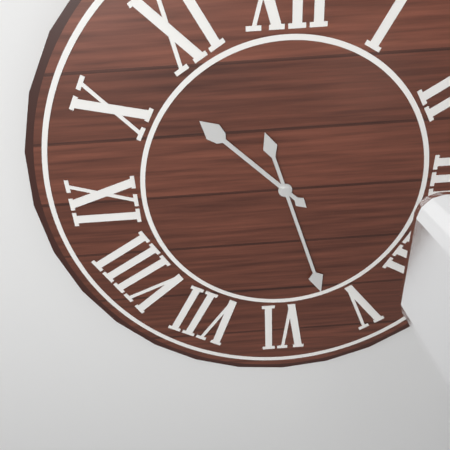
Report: 10:27
